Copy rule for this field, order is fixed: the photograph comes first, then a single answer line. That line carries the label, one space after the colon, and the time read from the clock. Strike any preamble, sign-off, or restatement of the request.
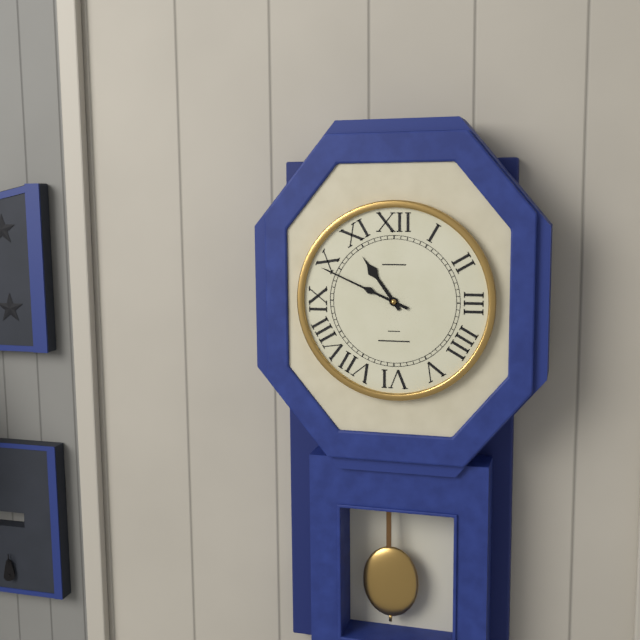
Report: 10:49
